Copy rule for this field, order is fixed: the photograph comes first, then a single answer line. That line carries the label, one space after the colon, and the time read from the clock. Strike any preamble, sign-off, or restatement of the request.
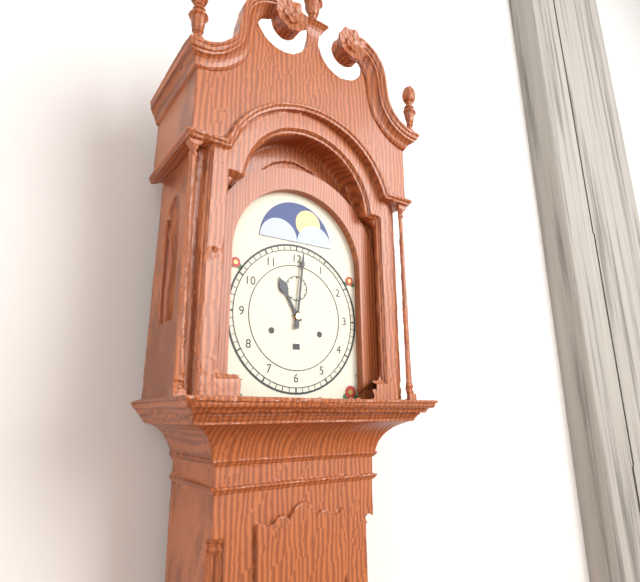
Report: 11:01
